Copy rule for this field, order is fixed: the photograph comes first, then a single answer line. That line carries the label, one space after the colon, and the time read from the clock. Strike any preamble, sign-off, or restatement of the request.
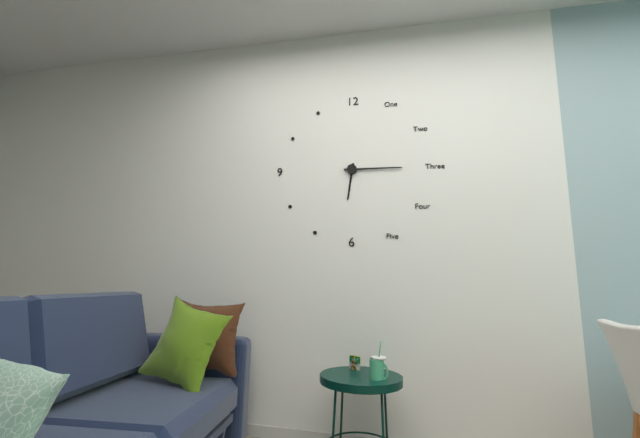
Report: 6:15
